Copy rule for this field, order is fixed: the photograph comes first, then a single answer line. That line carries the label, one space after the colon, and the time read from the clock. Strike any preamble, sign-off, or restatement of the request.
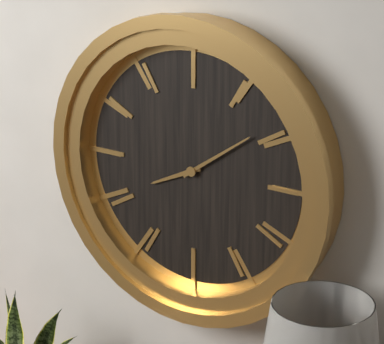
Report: 8:09
